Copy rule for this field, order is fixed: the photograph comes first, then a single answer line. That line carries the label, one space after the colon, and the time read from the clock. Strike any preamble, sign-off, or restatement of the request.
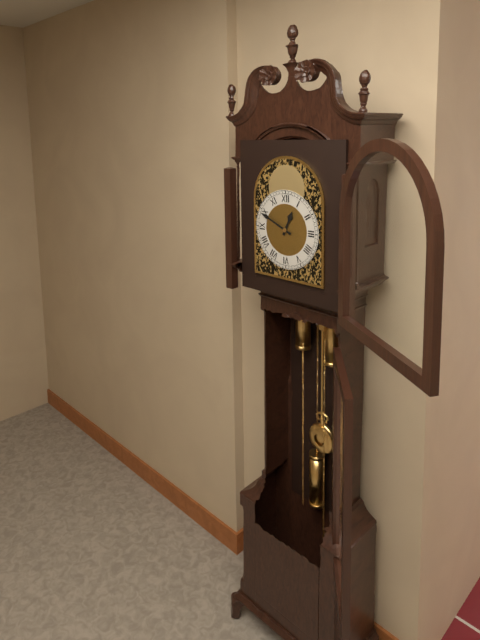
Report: 12:49
